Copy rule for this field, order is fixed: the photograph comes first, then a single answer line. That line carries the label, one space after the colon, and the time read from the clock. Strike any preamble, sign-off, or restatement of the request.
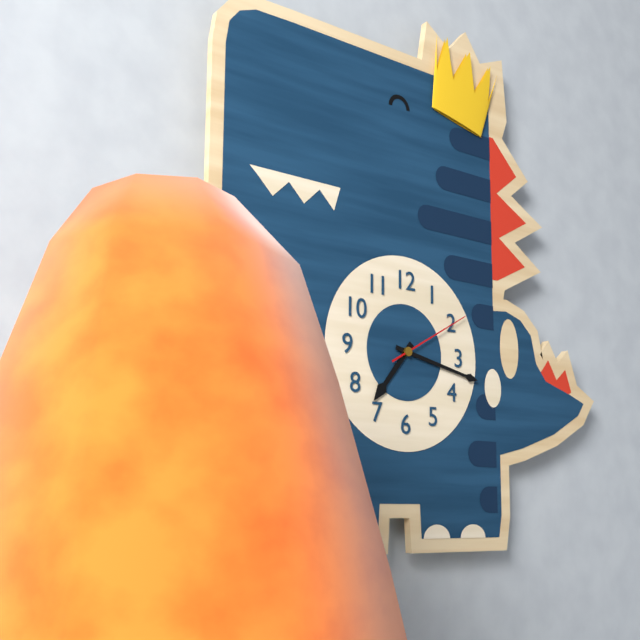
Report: 7:17:10
